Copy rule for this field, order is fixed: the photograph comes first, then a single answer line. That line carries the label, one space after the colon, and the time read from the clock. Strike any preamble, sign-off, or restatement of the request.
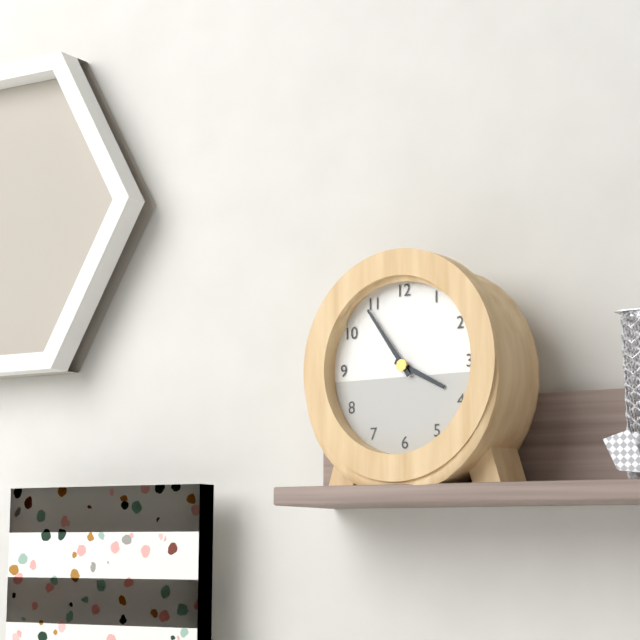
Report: 3:54
